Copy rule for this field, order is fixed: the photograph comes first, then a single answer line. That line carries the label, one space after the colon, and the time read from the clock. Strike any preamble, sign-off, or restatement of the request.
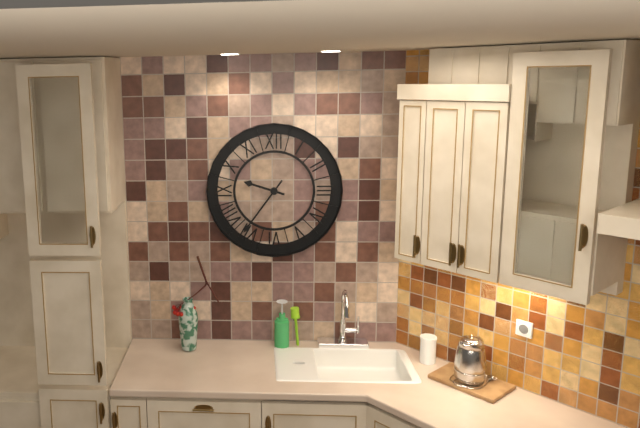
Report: 9:36
